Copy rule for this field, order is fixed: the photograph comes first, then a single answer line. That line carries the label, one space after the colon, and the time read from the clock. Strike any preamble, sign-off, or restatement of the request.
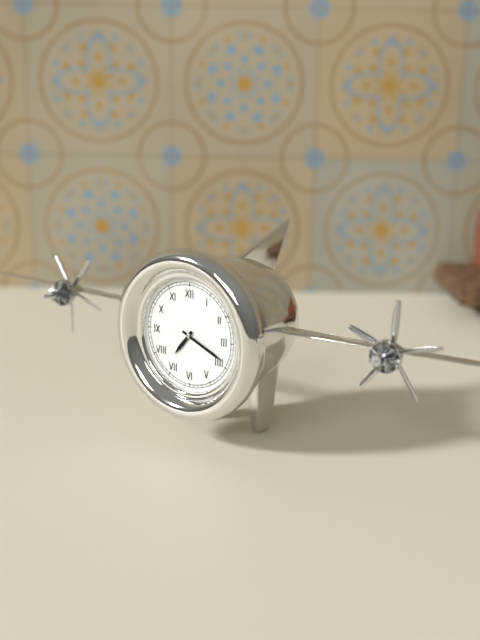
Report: 7:19
